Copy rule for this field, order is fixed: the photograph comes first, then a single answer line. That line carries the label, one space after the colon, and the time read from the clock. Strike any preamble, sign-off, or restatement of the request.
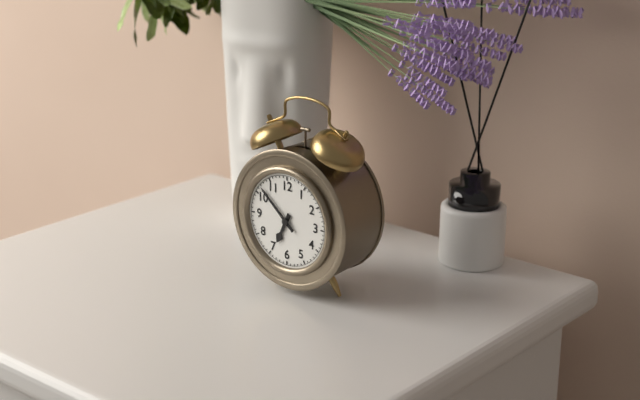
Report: 6:52
